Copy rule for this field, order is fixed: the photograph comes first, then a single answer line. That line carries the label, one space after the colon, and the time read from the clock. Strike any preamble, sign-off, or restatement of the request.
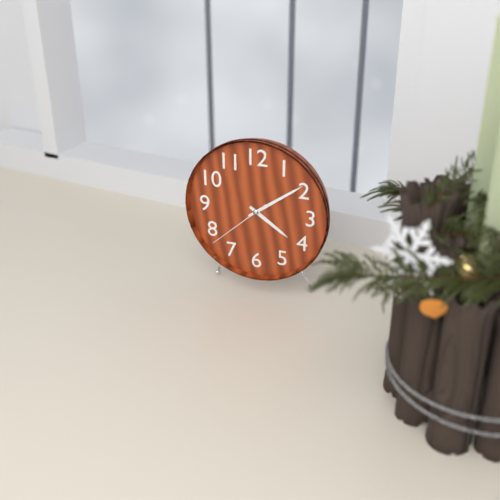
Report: 4:09:38
